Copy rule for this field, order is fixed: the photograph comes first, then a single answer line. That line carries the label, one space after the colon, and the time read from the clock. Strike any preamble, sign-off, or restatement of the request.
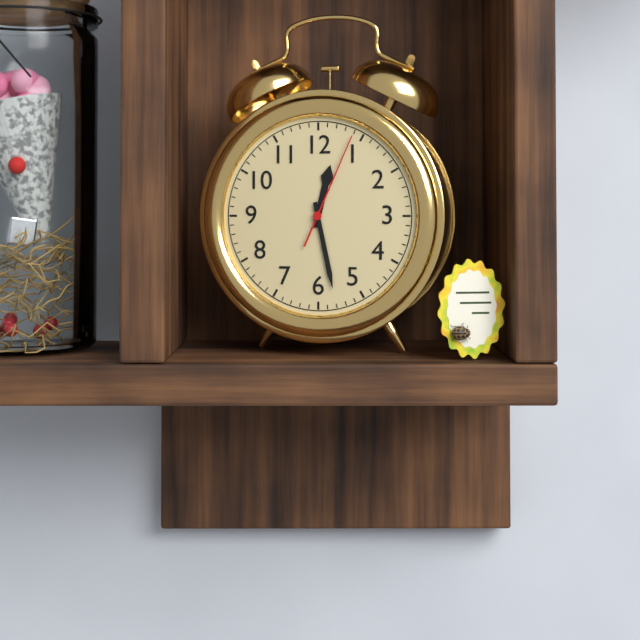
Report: 12:28:04
